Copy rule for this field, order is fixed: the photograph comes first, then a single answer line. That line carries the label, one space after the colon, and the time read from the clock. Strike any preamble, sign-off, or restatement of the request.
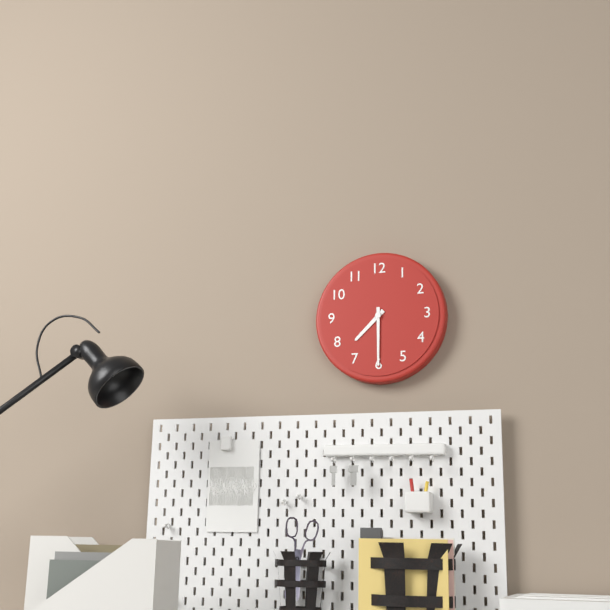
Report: 7:30
